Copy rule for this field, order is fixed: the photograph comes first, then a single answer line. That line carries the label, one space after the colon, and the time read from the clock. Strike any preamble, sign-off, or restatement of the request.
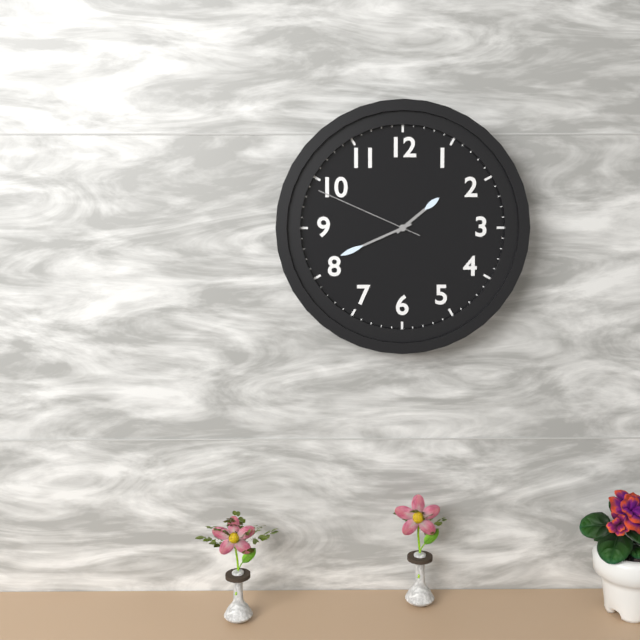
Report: 1:41:49
